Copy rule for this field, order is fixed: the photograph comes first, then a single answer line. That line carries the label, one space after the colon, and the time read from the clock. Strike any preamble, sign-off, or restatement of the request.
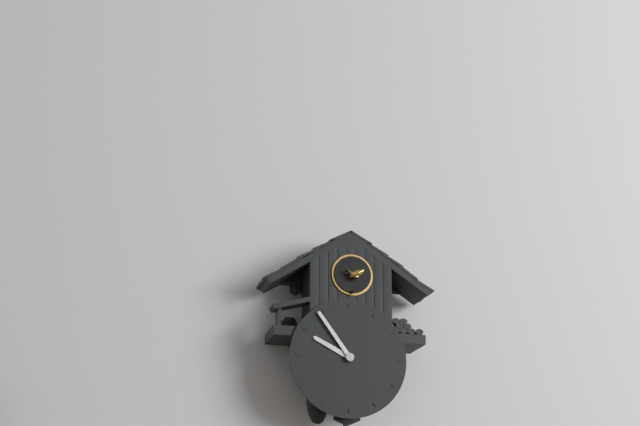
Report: 9:54
